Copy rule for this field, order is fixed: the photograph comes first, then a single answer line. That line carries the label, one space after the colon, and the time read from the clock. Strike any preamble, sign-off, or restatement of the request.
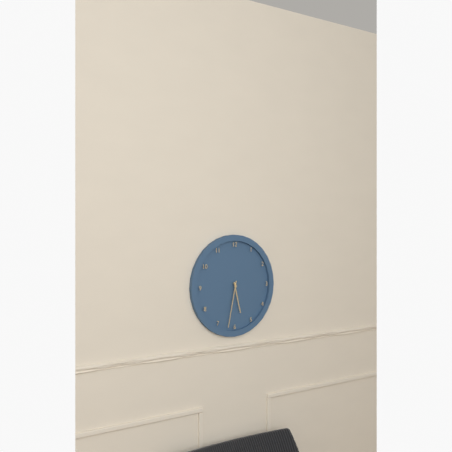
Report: 5:32
